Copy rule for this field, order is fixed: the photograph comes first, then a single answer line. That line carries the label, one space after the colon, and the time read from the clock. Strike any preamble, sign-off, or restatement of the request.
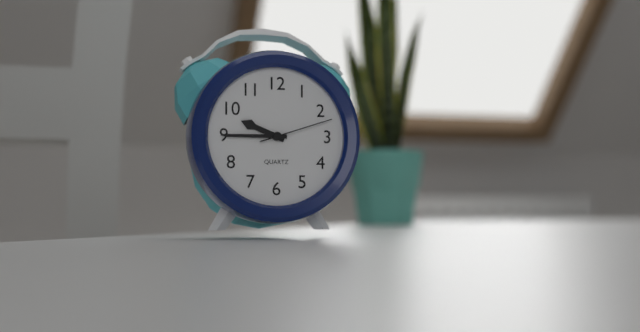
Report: 9:45:12
